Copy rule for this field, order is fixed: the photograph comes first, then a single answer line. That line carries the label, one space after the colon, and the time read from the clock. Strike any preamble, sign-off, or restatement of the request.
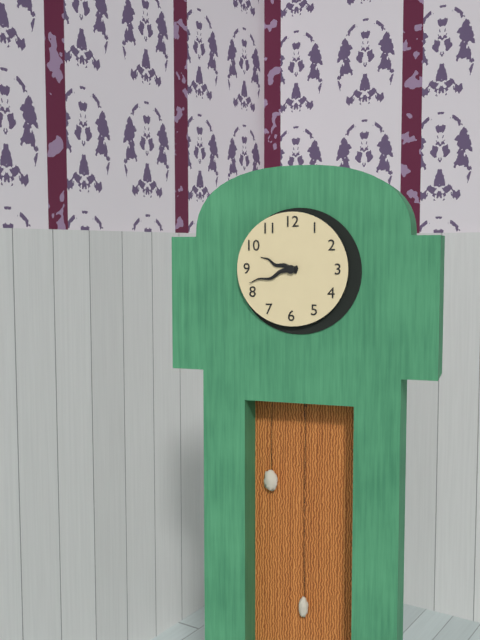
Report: 9:42
